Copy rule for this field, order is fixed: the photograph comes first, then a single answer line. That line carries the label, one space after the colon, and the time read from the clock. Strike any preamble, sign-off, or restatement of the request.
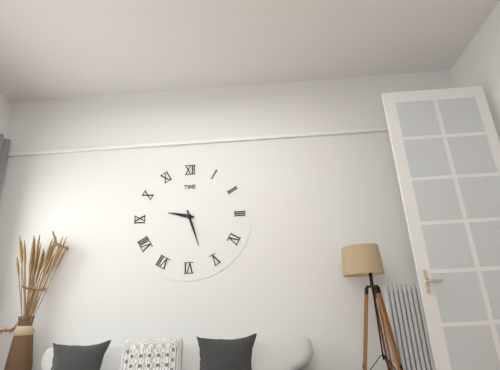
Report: 9:27
